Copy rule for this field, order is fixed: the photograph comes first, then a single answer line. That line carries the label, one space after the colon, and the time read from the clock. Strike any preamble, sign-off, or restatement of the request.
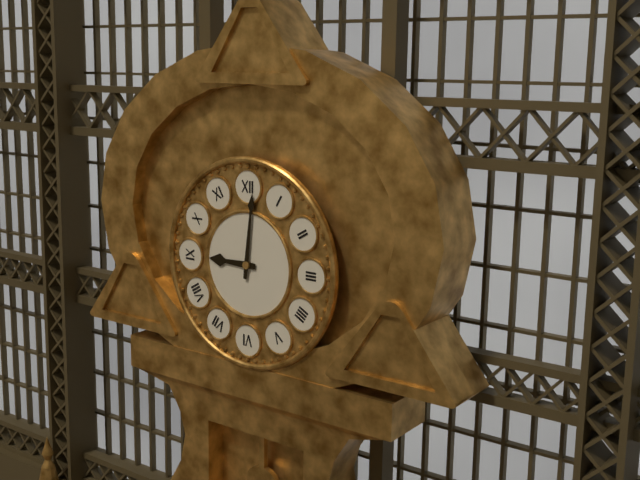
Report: 9:01
